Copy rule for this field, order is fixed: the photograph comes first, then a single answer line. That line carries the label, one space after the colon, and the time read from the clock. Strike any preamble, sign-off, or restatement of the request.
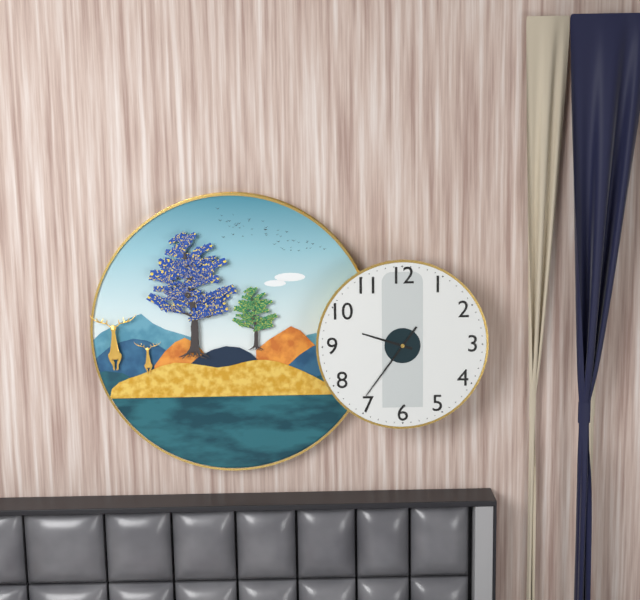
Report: 9:36
